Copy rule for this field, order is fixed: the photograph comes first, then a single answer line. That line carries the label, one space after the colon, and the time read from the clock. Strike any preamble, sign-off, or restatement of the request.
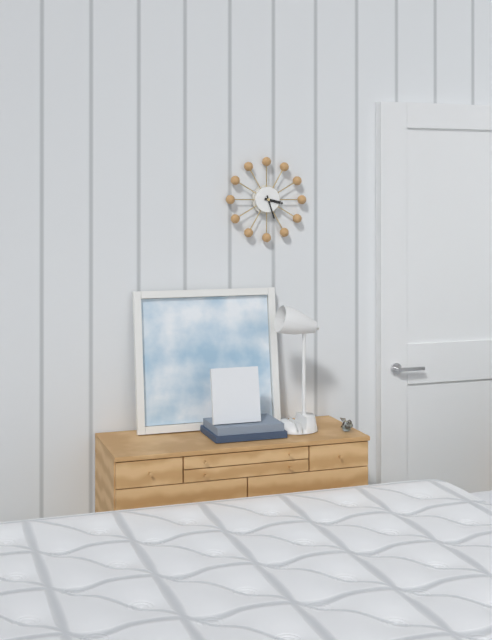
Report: 3:27
